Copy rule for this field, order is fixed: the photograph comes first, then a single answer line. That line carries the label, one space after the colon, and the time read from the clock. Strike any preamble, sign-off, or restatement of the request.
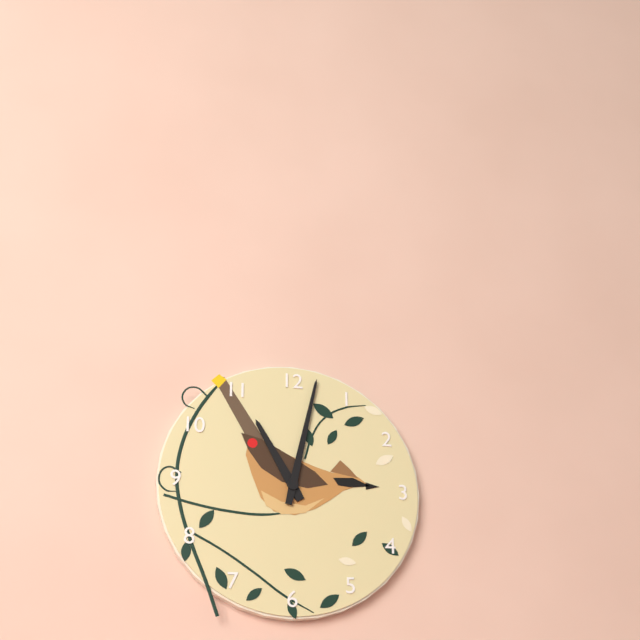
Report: 11:02
